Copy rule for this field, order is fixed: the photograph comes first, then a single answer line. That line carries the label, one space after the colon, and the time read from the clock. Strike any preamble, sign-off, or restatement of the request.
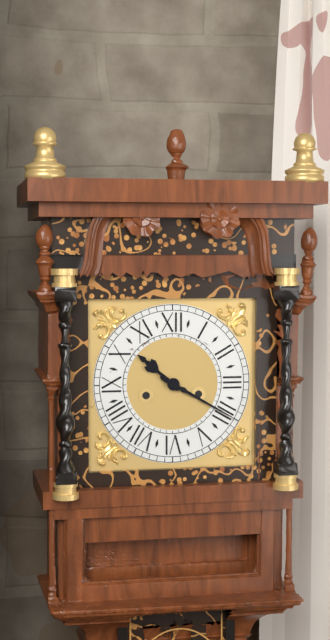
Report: 10:20
